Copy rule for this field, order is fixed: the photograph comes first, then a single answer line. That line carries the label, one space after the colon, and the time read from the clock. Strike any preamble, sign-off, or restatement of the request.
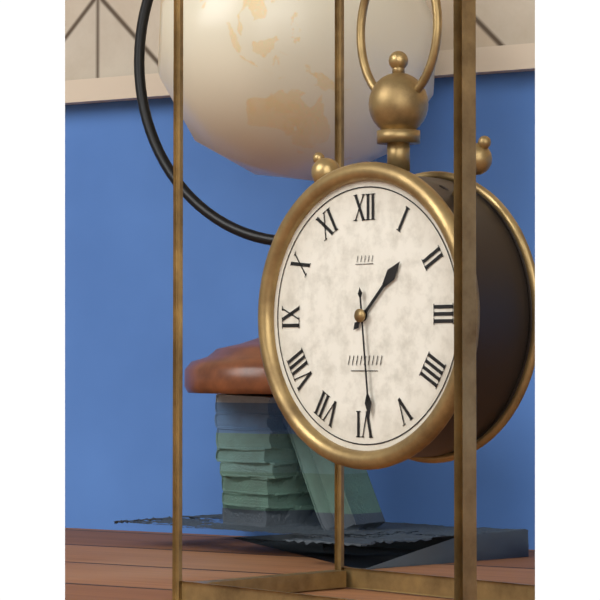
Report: 1:29
